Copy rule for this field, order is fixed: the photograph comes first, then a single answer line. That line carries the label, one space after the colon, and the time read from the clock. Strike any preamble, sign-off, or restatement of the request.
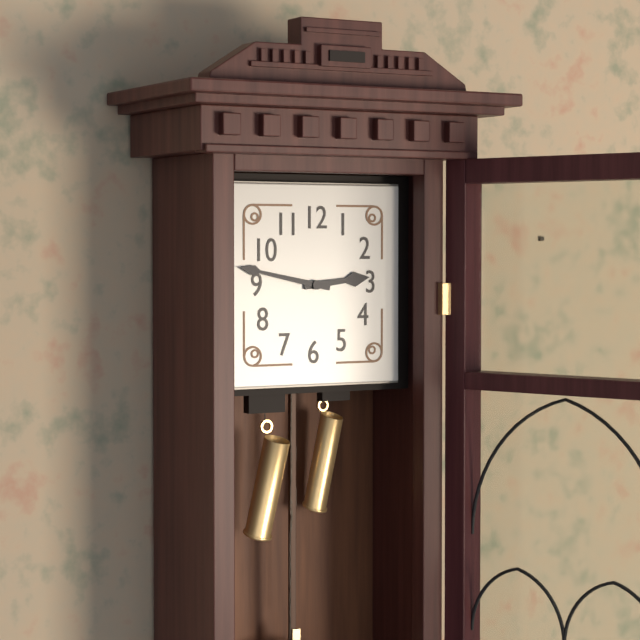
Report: 2:47
